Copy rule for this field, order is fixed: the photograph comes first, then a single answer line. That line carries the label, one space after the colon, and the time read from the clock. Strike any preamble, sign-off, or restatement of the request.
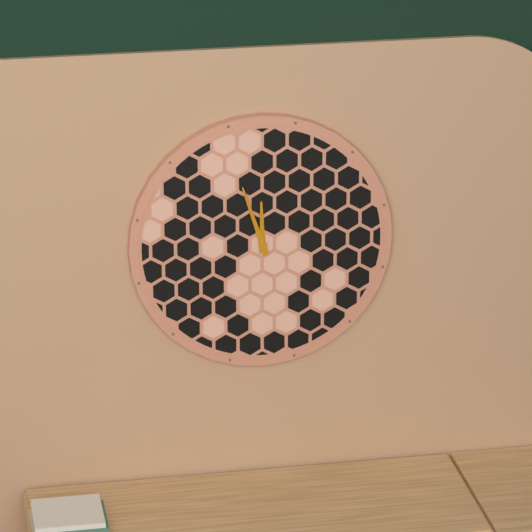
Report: 11:57
